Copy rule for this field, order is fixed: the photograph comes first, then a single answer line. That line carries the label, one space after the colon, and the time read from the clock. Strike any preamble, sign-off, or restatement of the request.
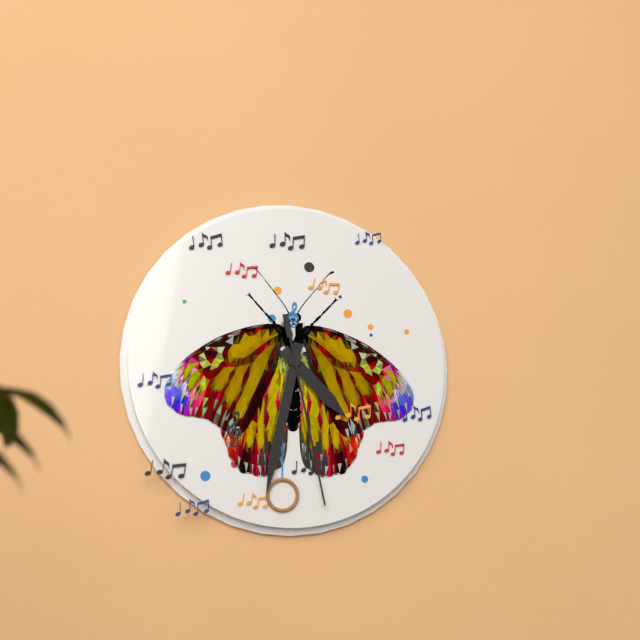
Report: 4:32:28
